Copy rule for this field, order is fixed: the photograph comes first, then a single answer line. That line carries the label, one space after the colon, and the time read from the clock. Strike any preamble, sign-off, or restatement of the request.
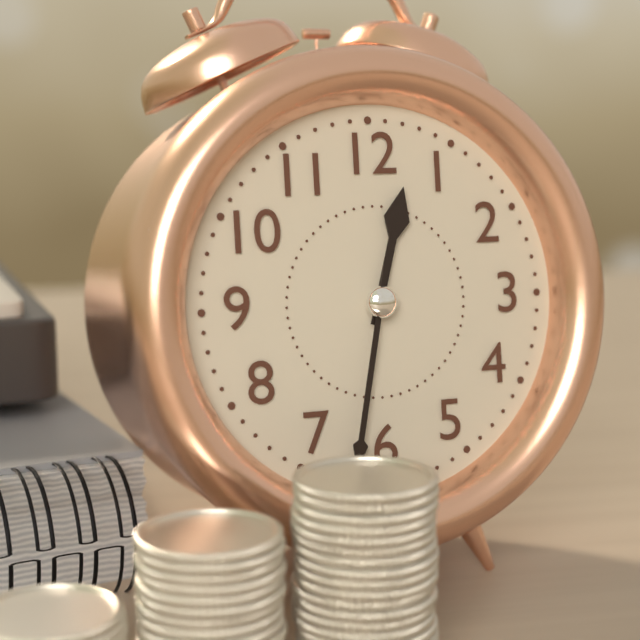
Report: 12:32
